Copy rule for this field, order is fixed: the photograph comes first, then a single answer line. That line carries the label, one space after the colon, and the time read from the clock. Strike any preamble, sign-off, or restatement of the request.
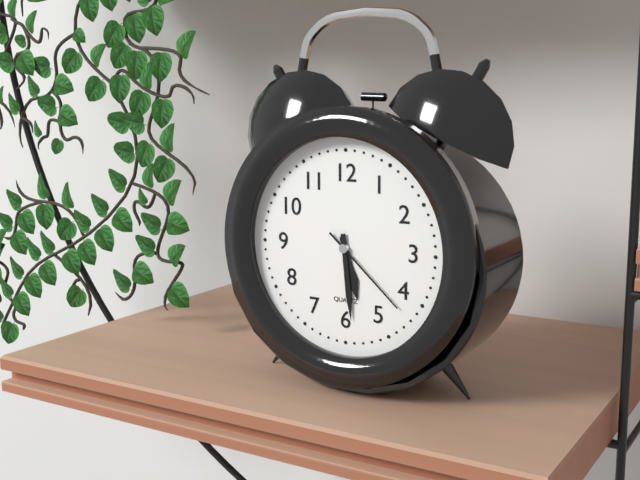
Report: 5:29:22
